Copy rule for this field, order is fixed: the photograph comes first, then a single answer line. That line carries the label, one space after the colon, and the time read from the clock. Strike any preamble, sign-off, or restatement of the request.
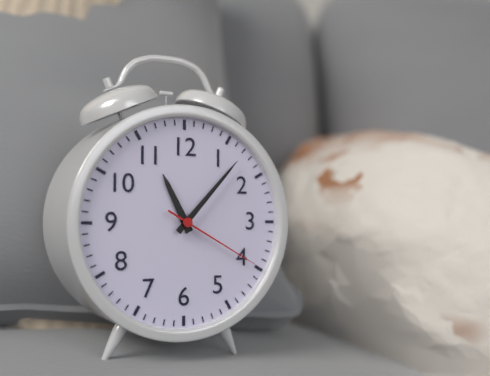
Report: 11:07:20
